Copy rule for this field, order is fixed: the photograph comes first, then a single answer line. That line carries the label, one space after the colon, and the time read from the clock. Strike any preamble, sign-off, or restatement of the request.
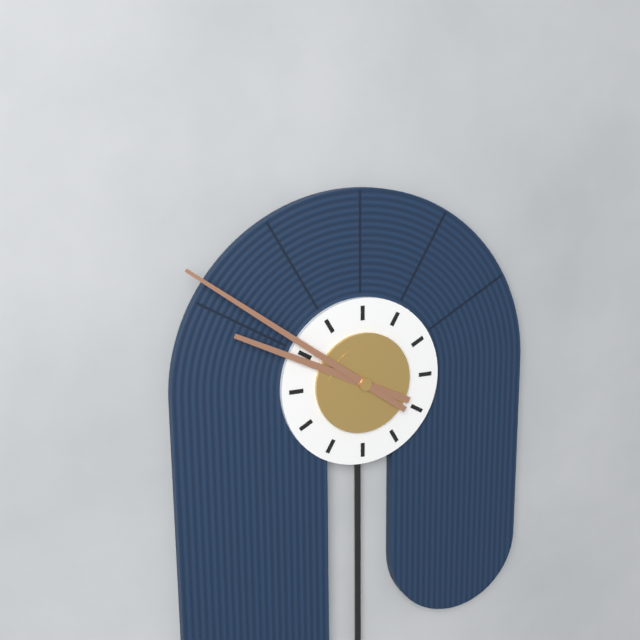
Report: 9:51
